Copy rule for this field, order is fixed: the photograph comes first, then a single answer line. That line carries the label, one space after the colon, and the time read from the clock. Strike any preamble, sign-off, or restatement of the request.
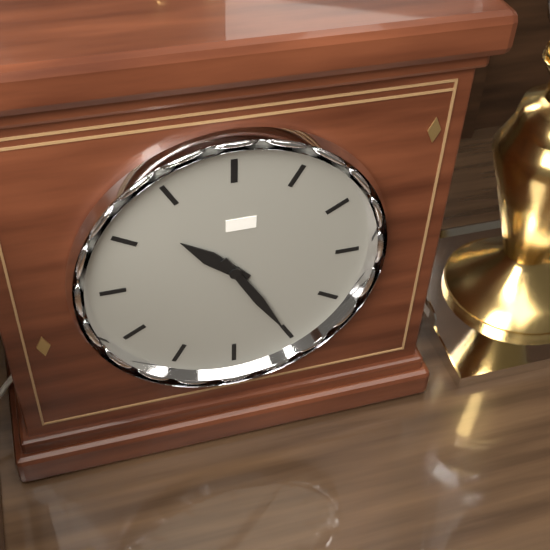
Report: 10:25
